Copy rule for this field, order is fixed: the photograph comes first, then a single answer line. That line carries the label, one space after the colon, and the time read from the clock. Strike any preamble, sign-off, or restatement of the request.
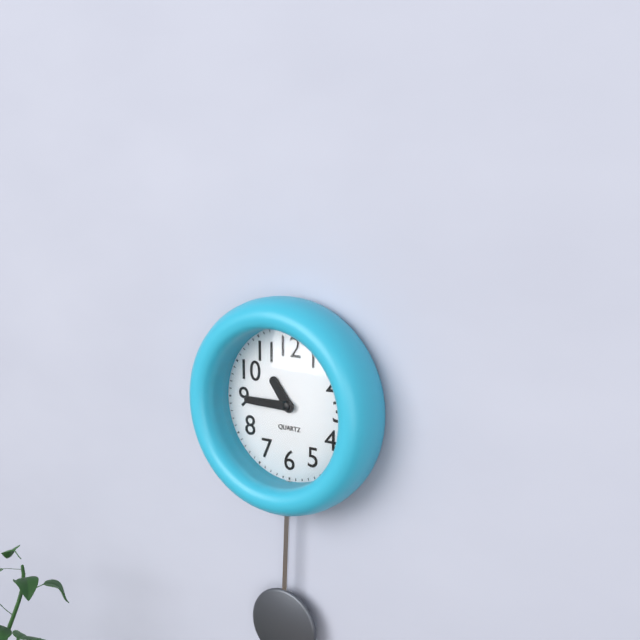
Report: 10:45
